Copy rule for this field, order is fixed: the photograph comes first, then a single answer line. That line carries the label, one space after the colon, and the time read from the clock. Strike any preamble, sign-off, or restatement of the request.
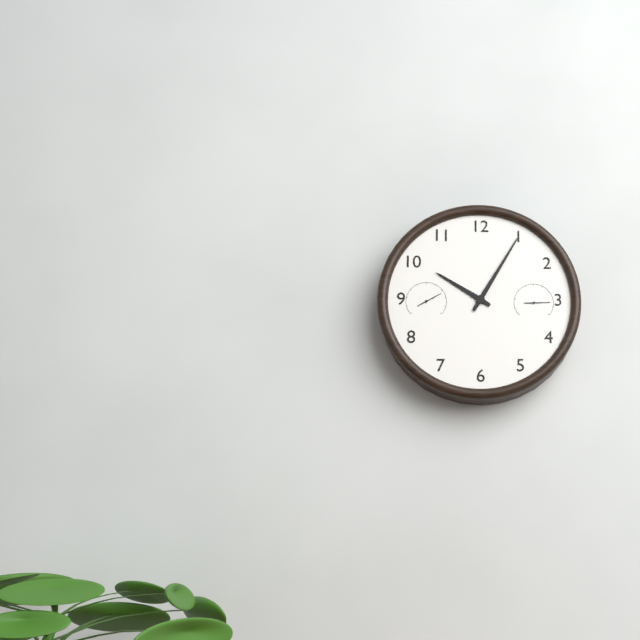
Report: 10:05
